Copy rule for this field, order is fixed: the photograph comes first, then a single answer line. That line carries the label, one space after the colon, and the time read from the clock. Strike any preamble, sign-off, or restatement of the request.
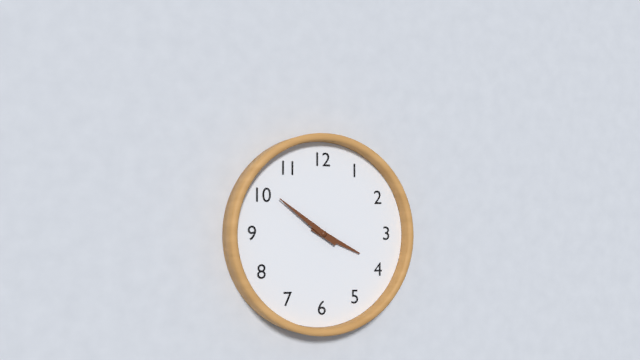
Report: 3:51
